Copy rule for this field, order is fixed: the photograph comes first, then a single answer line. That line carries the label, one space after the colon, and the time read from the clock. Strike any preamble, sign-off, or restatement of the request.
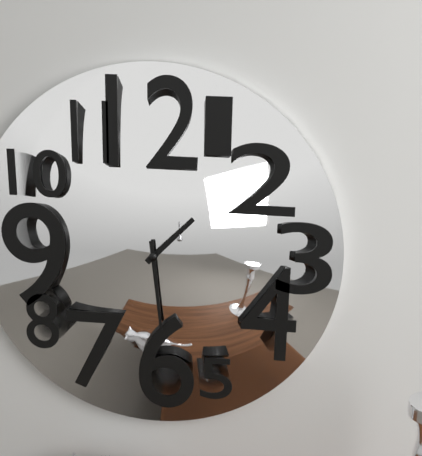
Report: 1:29
